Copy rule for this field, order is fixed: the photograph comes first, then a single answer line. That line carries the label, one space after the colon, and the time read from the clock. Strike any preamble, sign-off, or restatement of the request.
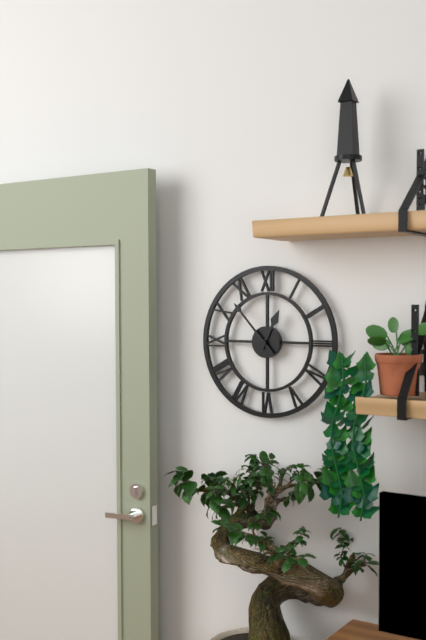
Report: 12:53
